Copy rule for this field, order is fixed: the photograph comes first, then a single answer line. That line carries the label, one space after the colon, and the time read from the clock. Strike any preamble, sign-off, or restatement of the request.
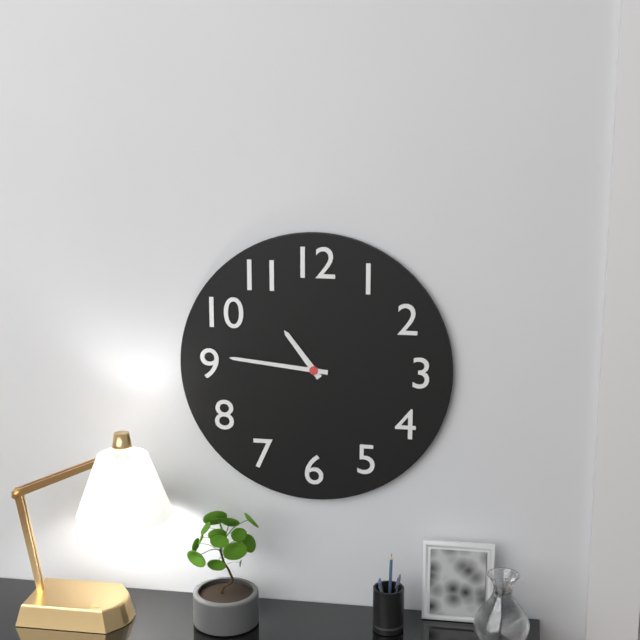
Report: 10:46
